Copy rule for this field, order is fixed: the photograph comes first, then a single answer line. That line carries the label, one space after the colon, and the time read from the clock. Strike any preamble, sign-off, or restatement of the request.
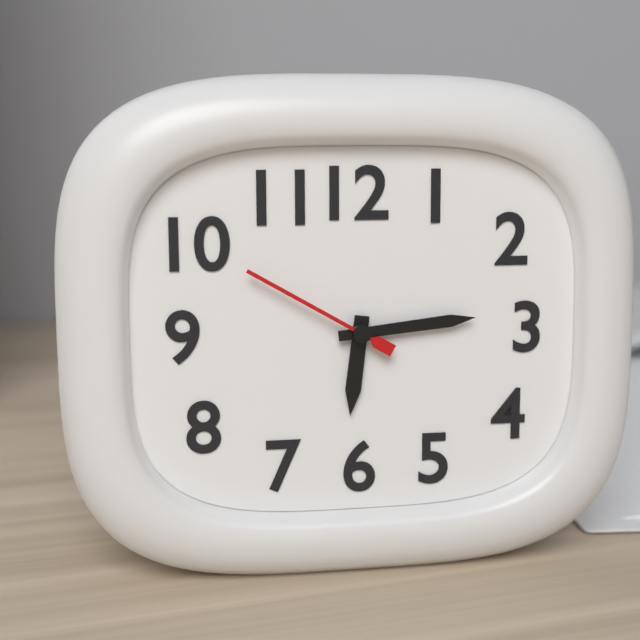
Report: 6:14:50
